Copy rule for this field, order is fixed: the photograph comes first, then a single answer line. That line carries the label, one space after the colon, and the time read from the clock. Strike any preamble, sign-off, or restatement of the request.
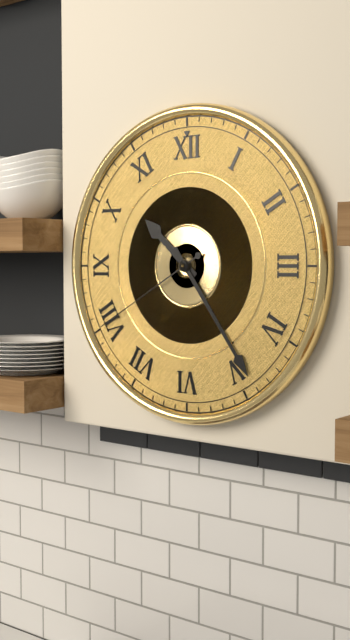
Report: 10:24:40
